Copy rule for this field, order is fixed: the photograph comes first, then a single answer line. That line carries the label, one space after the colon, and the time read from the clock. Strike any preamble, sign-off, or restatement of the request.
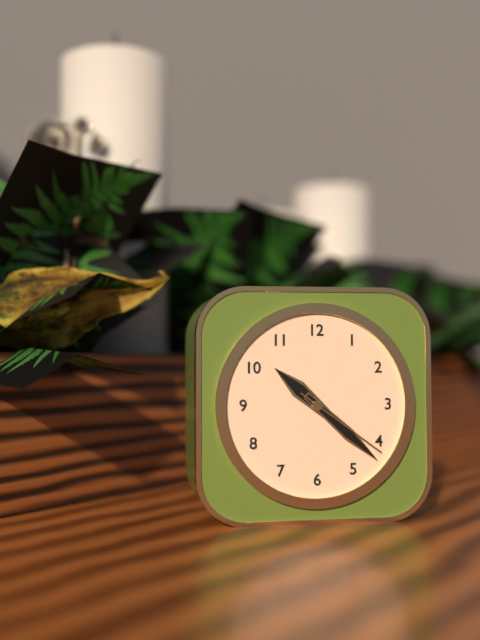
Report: 10:22:21
